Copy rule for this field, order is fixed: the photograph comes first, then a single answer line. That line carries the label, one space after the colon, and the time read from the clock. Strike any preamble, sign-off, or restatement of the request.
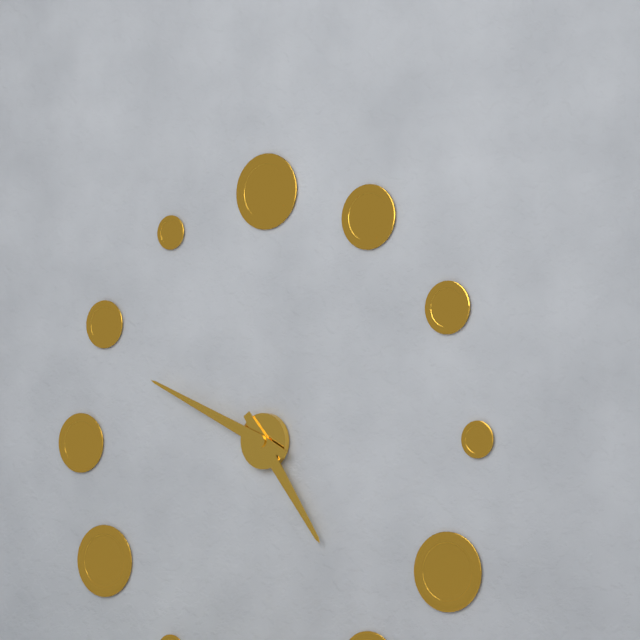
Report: 4:49
